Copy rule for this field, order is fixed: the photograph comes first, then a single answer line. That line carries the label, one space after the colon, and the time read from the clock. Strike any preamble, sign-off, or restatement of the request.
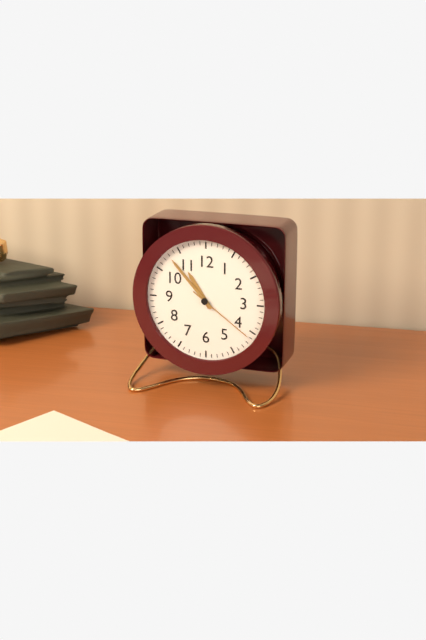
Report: 10:53:21
